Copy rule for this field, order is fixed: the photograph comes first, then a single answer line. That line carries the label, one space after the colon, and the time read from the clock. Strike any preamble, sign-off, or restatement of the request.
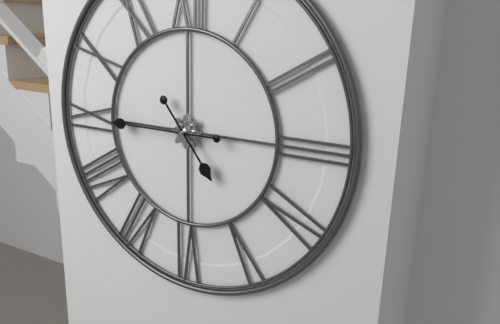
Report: 4:45
